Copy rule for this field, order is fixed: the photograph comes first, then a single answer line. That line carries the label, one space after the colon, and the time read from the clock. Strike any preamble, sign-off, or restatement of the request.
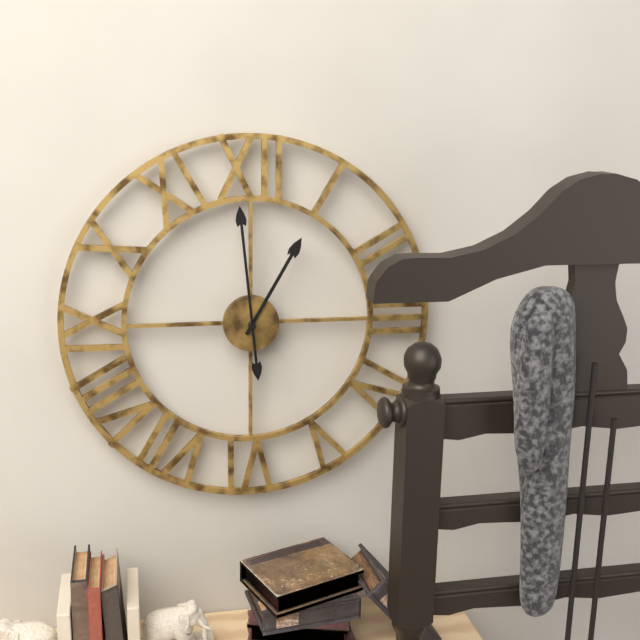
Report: 12:59
